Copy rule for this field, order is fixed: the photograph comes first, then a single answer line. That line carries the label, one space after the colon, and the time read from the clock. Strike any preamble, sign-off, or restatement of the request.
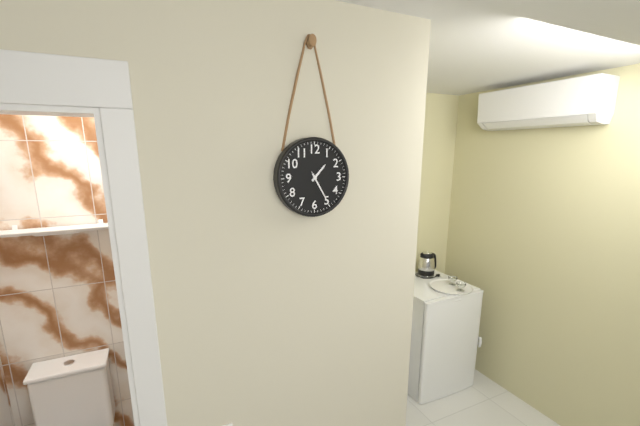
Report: 1:25
